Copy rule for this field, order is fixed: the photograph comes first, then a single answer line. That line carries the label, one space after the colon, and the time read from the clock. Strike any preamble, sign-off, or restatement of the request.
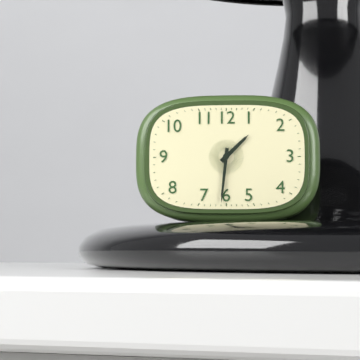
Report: 1:31
